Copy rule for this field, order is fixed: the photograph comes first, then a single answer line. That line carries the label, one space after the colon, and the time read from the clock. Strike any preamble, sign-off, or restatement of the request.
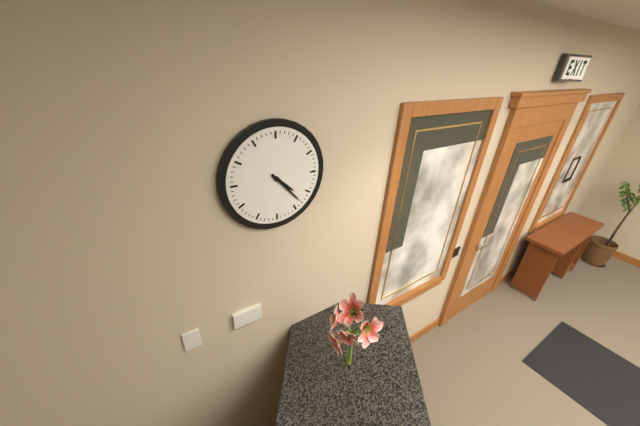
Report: 4:23
